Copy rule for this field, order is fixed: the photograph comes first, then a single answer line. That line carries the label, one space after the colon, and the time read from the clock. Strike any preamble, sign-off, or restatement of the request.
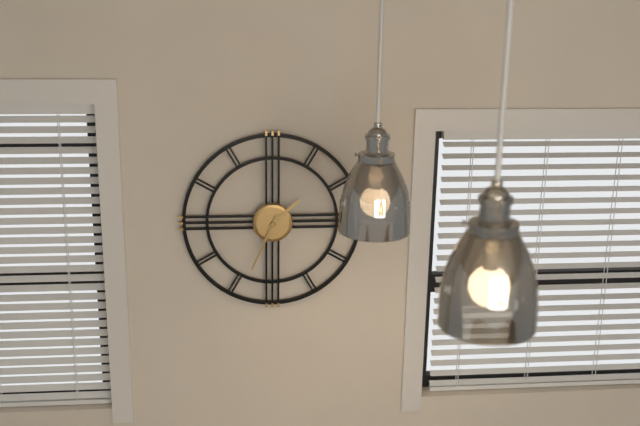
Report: 1:34
